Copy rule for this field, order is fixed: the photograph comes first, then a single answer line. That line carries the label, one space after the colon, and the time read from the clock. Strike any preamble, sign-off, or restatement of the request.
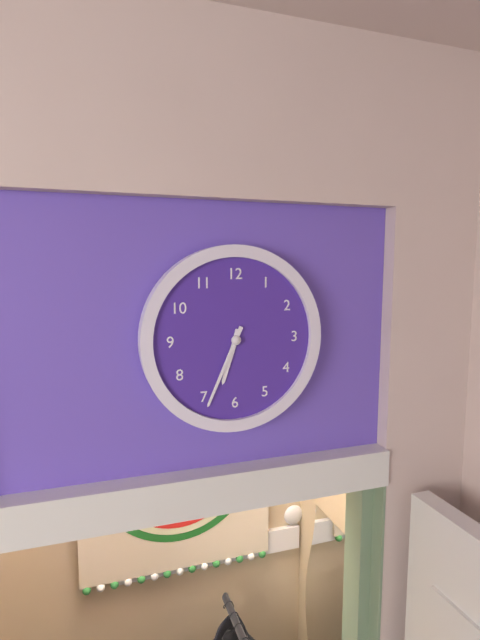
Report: 6:34
